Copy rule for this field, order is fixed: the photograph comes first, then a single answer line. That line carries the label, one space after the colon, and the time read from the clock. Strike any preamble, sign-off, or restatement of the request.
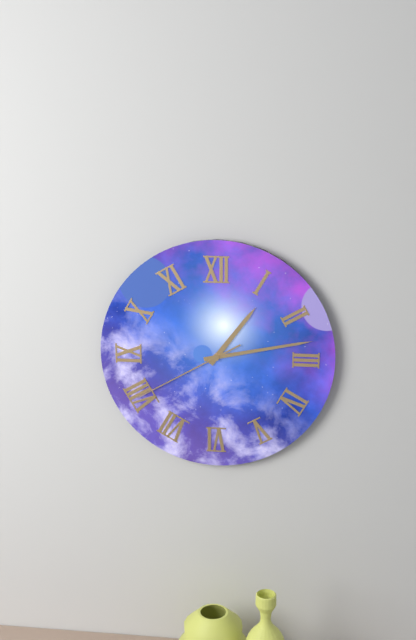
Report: 1:13:40
